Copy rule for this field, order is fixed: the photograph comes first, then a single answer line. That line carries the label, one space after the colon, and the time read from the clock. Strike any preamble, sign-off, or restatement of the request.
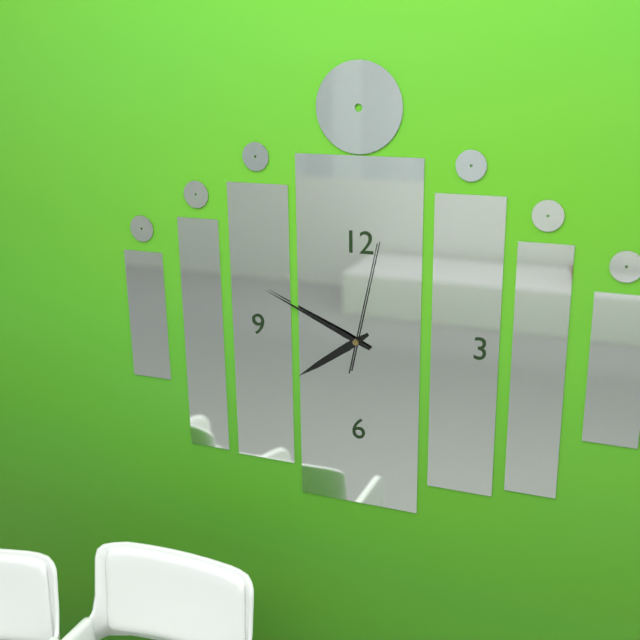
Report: 7:49:02
